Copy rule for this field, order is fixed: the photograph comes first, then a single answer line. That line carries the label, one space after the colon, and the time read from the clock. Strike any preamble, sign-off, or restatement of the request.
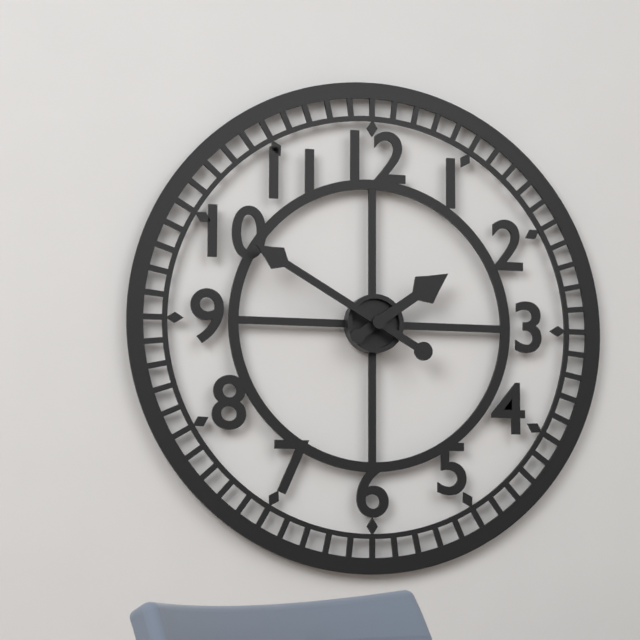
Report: 1:50
